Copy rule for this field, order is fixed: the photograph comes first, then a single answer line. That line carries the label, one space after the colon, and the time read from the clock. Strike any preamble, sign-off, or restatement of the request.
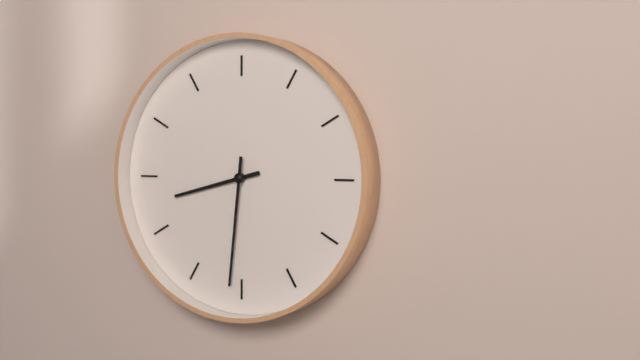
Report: 8:31
